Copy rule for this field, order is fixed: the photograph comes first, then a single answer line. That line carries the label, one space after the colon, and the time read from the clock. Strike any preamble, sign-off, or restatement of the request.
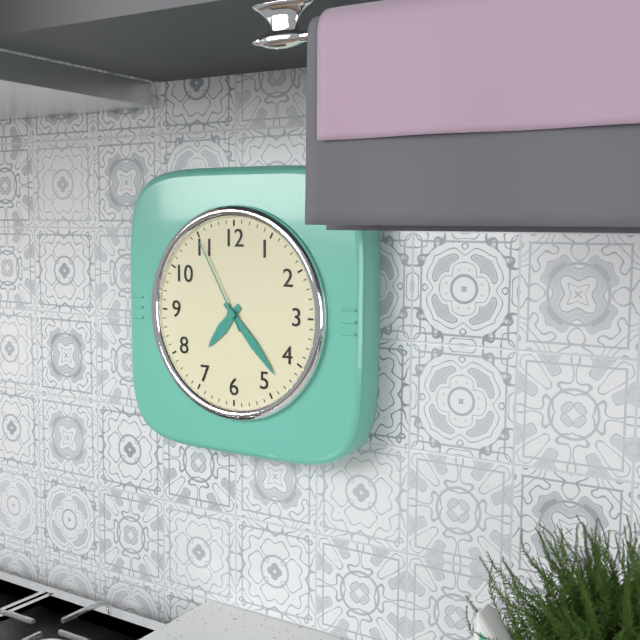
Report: 7:23:55
